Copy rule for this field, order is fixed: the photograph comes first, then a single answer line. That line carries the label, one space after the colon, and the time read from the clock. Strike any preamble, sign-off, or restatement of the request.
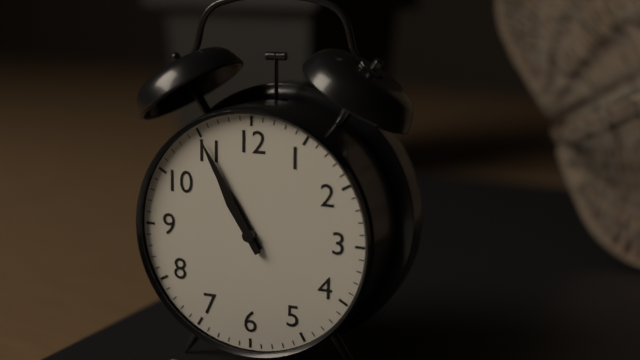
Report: 10:55
